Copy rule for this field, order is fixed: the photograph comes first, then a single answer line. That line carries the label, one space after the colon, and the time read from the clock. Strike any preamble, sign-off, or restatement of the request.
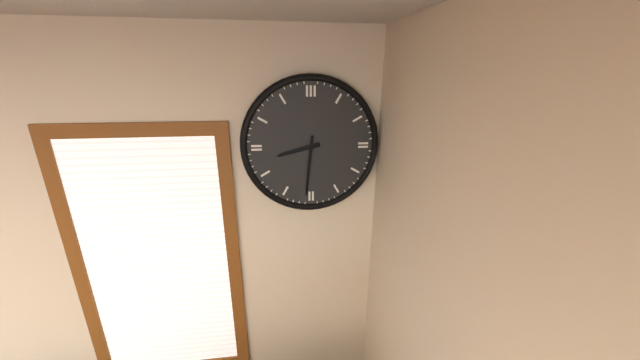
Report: 8:31
